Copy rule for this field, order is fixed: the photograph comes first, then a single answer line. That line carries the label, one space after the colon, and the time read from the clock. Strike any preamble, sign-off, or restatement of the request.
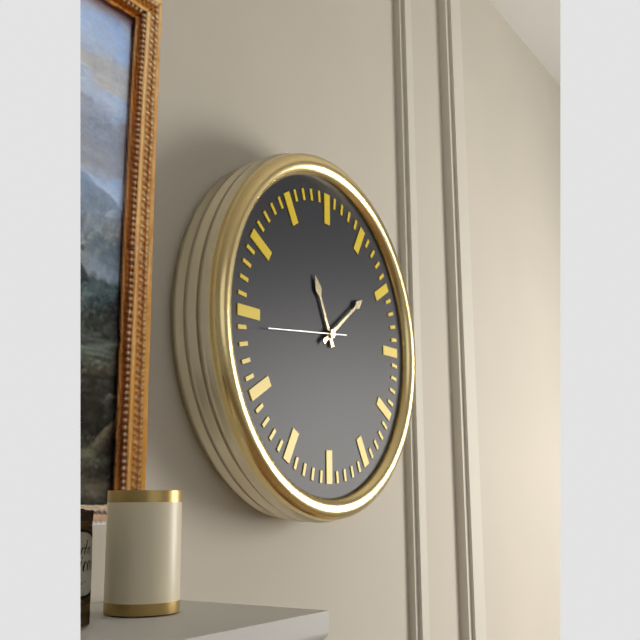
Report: 11:09
